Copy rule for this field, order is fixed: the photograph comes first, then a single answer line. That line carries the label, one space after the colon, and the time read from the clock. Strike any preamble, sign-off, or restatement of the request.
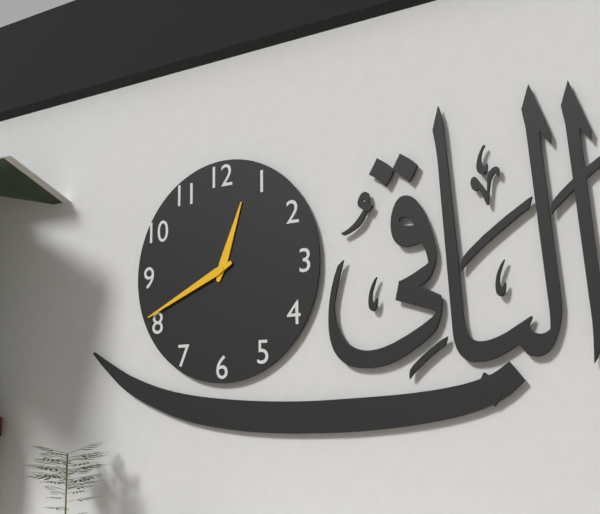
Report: 12:41
